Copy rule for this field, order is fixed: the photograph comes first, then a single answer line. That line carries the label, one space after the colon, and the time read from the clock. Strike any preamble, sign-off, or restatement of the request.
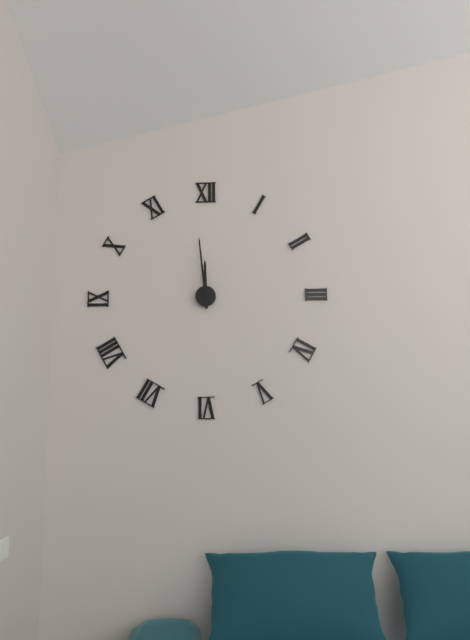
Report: 11:59
